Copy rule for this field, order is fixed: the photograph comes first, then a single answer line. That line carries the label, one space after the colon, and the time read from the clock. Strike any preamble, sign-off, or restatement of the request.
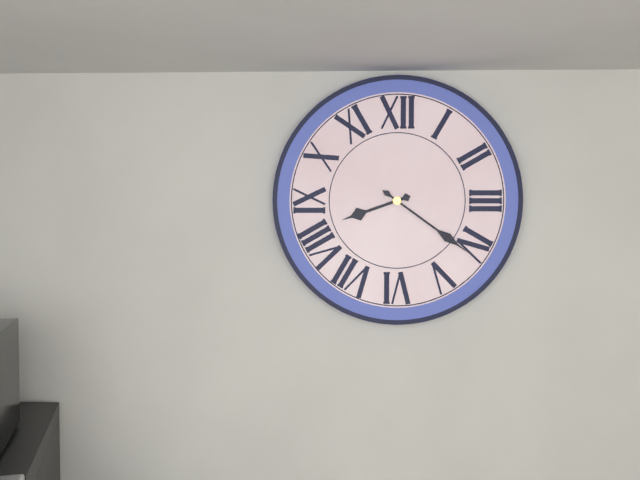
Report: 8:21
